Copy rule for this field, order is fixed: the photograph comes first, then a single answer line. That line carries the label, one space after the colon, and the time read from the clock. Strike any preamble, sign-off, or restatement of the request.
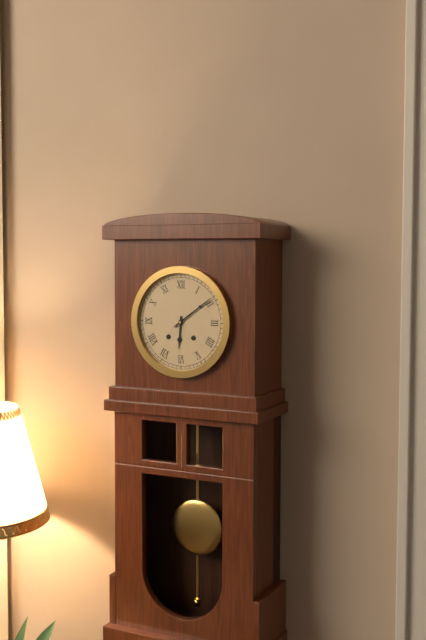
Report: 6:09
